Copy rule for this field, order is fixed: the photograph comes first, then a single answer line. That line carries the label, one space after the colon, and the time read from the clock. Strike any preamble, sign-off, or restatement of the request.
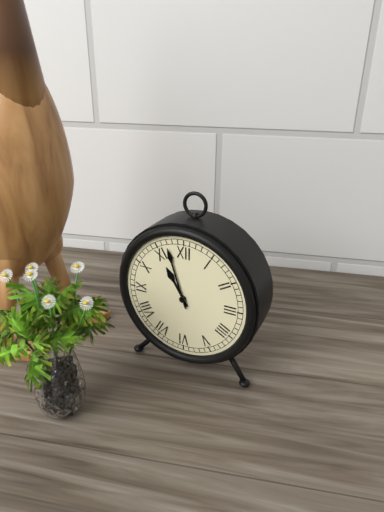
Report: 10:57
